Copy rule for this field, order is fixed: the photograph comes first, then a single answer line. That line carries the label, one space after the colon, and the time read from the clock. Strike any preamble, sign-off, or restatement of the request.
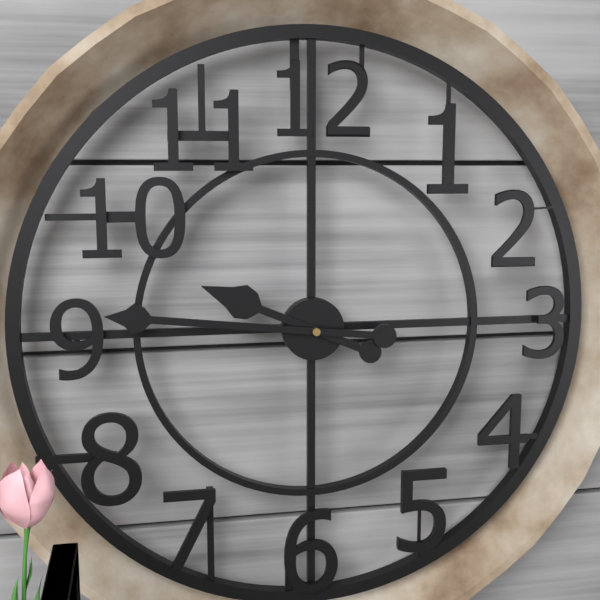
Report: 9:46
